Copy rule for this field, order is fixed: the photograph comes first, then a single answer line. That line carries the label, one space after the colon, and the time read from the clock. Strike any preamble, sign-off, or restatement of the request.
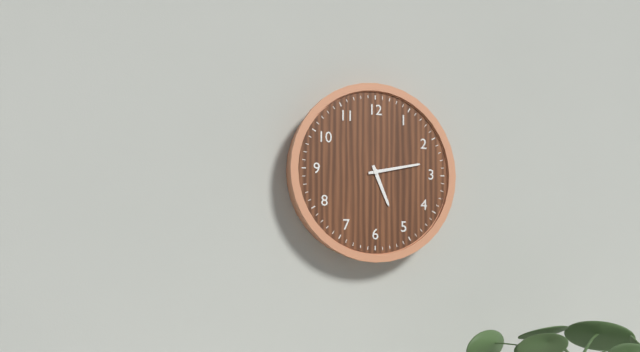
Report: 5:13
